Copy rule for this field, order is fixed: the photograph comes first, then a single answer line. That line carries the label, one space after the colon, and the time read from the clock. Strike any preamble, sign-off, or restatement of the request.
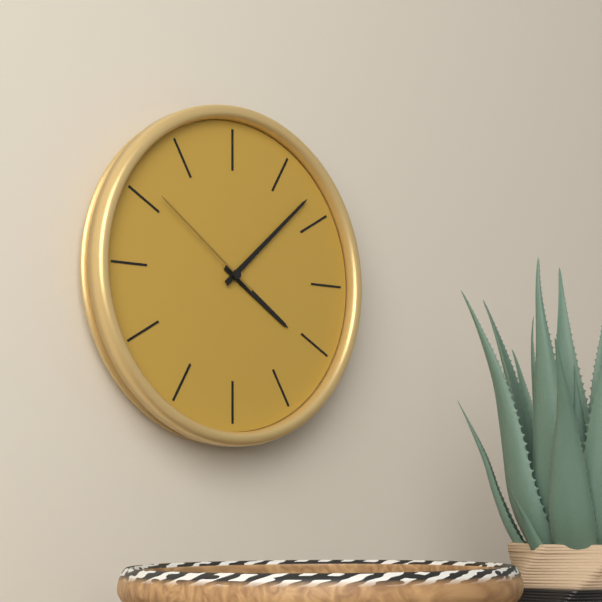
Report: 4:08:51
